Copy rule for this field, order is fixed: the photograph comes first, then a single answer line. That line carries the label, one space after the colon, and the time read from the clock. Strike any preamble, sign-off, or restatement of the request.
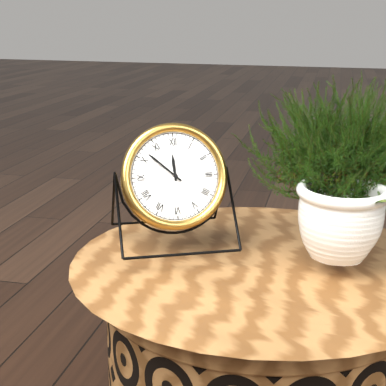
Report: 11:52
